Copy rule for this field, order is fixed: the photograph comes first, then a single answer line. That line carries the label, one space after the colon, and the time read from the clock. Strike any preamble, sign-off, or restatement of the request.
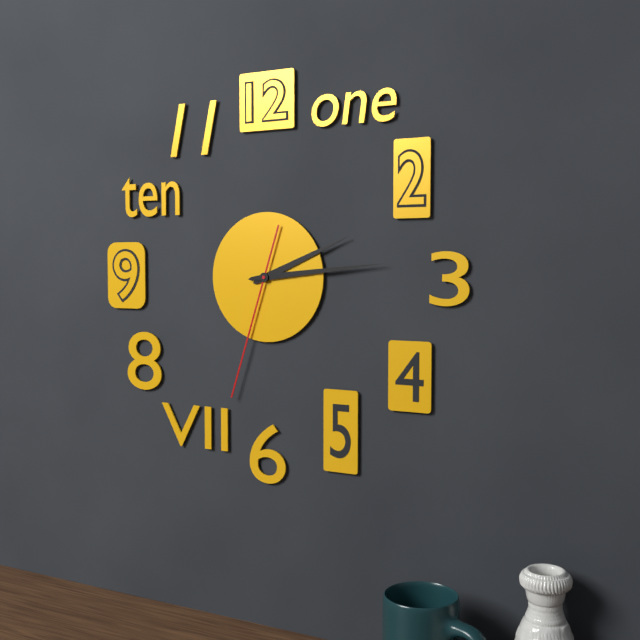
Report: 2:14:33
